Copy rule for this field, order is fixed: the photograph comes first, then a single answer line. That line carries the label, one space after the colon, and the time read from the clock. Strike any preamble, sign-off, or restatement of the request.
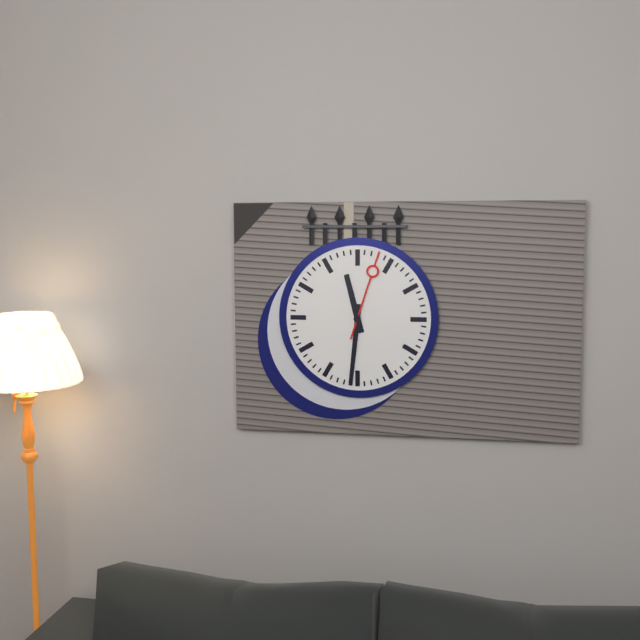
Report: 11:31:03
